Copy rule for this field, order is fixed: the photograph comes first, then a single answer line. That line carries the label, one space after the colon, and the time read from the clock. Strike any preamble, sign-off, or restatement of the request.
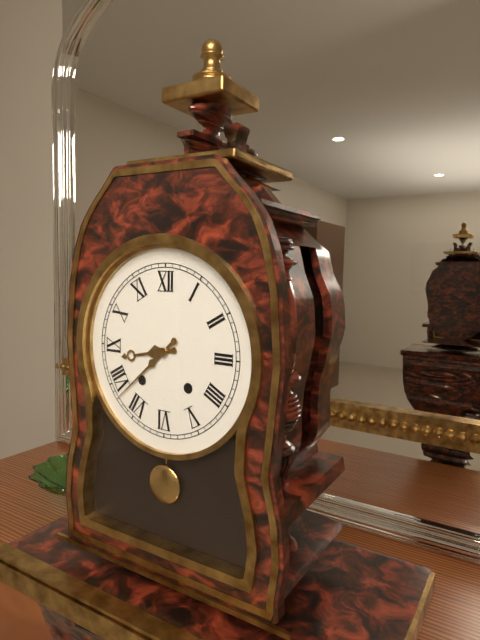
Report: 8:38
